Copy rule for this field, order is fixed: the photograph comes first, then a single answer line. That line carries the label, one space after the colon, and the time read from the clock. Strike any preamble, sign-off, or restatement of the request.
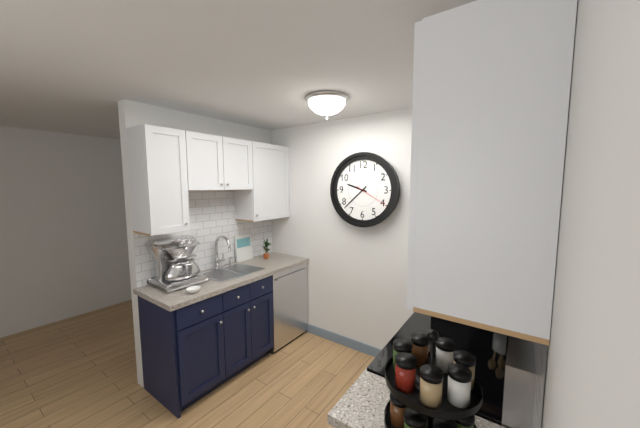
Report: 9:38
